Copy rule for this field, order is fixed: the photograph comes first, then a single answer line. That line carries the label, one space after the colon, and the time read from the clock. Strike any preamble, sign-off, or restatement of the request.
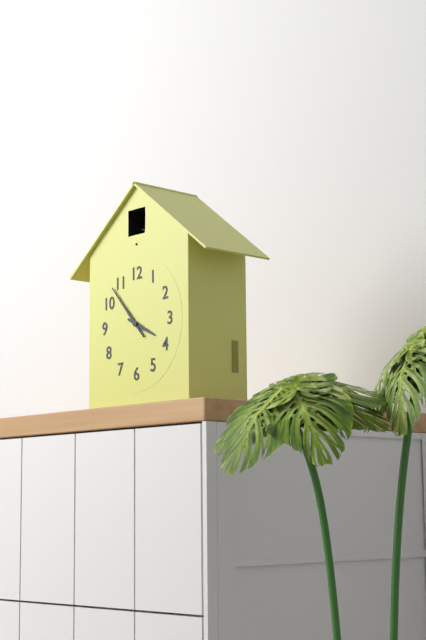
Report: 3:53
